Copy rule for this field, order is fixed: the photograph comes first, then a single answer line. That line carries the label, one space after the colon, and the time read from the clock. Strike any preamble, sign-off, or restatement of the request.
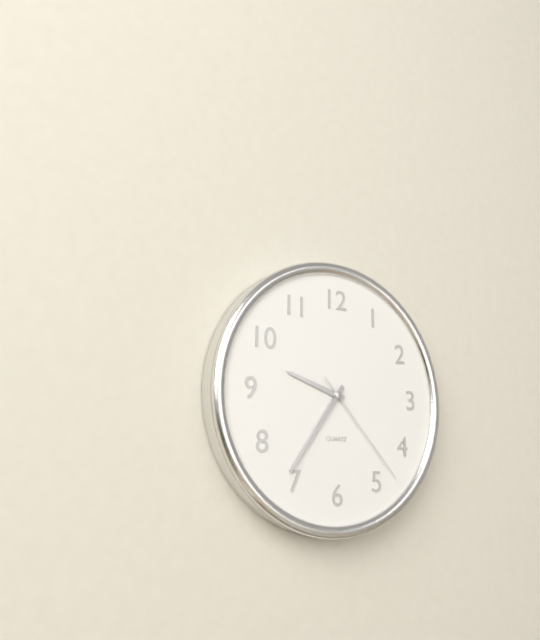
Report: 9:36:23
